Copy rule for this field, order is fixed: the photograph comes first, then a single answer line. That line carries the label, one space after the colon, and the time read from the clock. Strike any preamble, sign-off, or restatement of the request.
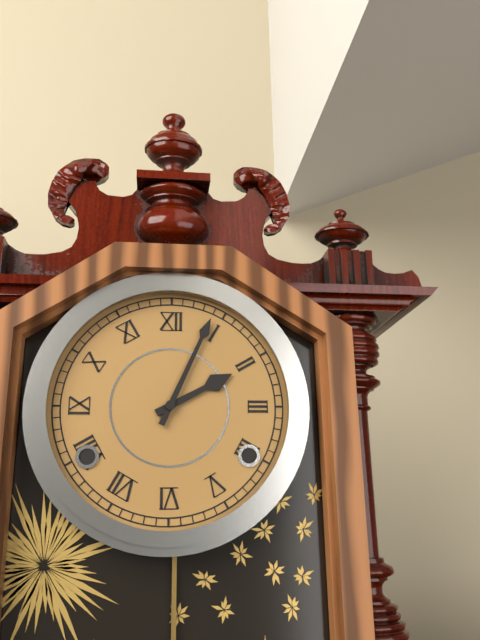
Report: 2:04
